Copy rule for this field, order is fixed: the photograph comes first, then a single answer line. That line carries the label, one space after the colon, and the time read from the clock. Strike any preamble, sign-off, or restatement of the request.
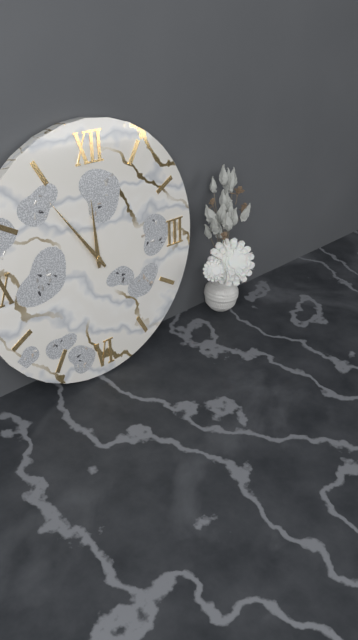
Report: 11:54
